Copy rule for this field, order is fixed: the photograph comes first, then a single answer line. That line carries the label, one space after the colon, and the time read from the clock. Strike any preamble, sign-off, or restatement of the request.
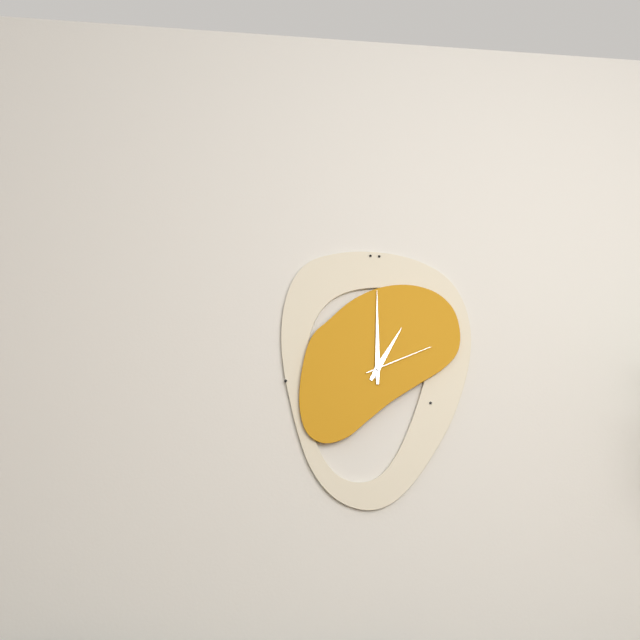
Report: 1:00:11
